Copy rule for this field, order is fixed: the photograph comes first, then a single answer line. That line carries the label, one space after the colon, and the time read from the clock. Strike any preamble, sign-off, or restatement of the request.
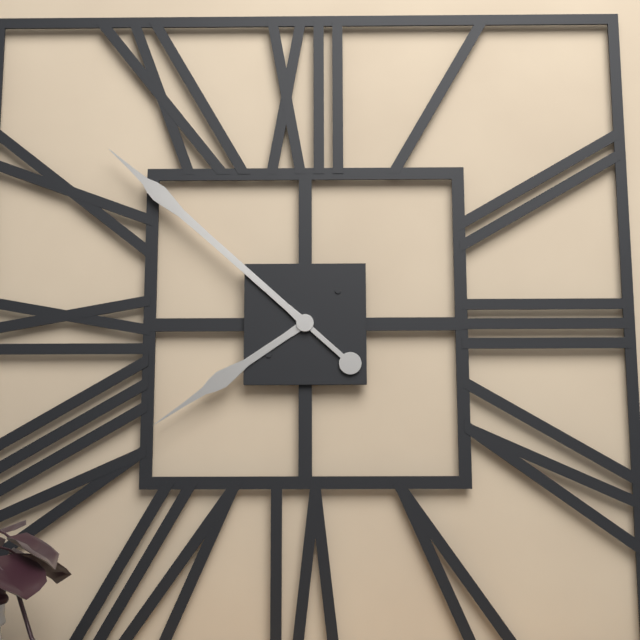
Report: 7:52
